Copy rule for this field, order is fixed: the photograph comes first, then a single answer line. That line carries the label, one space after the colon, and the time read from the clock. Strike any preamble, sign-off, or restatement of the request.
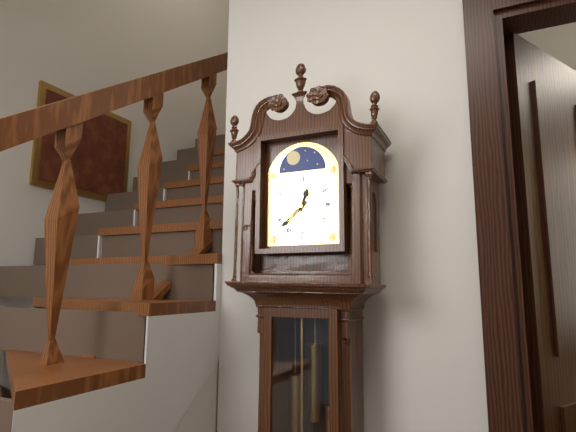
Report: 12:38
